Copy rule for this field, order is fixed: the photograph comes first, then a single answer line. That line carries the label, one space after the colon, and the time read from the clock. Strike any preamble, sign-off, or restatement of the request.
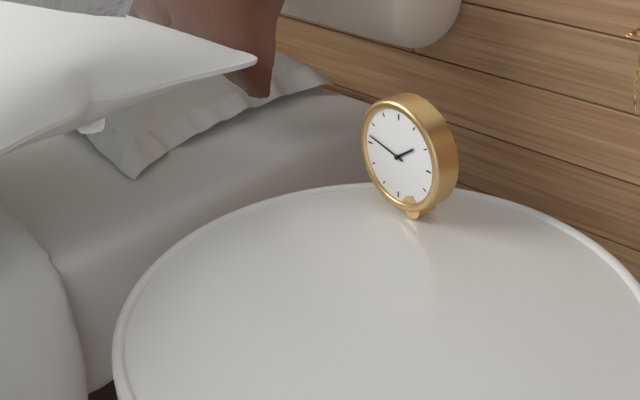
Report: 1:47
